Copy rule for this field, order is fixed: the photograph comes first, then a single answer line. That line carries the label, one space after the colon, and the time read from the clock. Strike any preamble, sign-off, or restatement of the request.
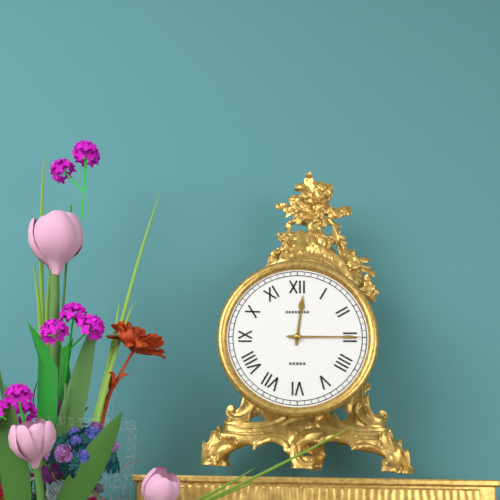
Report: 12:15
